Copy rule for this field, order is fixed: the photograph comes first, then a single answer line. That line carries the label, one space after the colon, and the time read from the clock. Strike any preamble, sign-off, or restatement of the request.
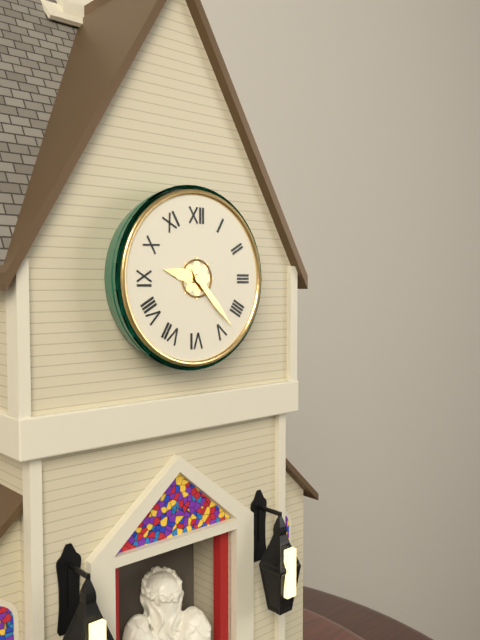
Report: 9:23
